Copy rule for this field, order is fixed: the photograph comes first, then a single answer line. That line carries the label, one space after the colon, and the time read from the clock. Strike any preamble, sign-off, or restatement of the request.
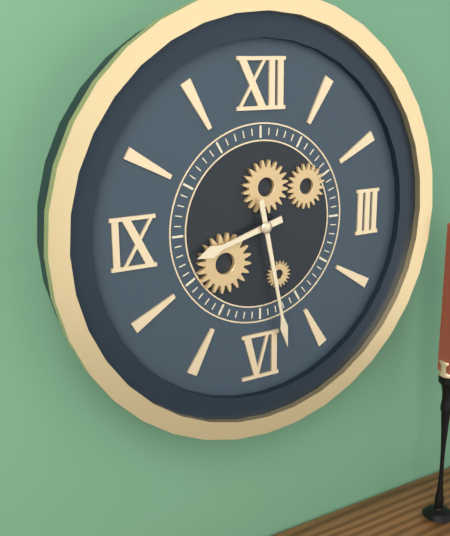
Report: 8:28
